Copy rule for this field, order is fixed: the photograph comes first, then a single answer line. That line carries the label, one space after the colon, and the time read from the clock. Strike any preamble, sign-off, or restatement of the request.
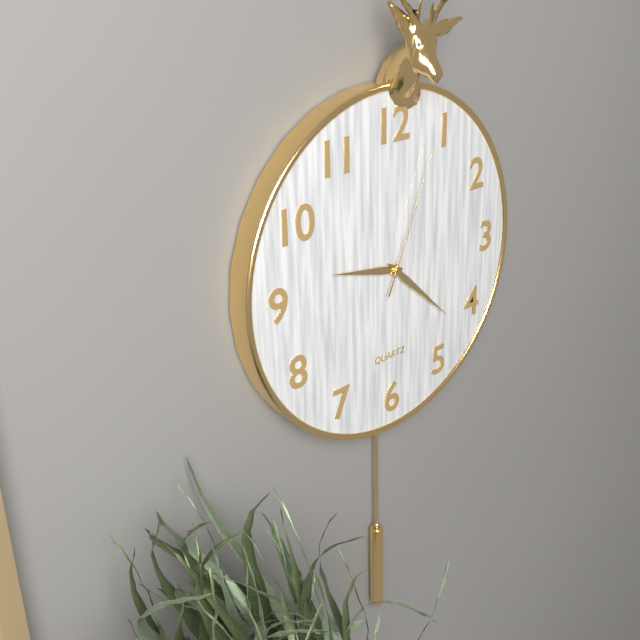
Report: 9:22:04
